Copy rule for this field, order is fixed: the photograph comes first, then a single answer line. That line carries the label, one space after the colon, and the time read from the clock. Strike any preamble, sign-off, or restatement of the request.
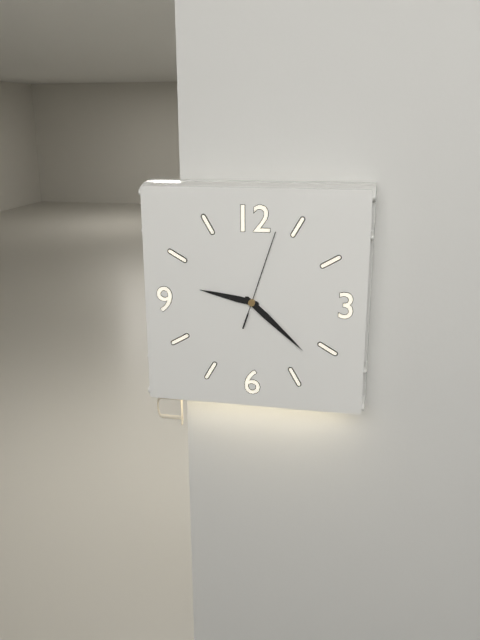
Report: 9:22:03
